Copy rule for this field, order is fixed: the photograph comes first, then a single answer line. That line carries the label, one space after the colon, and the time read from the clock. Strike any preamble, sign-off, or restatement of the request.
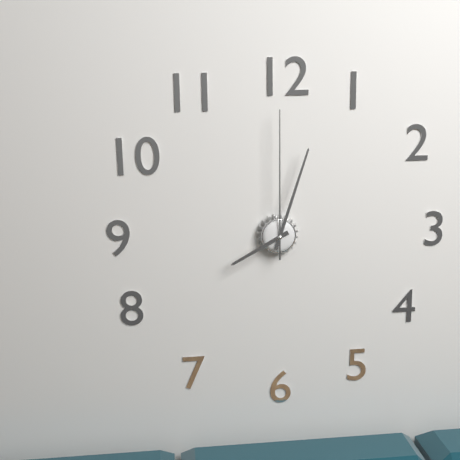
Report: 8:03:00
